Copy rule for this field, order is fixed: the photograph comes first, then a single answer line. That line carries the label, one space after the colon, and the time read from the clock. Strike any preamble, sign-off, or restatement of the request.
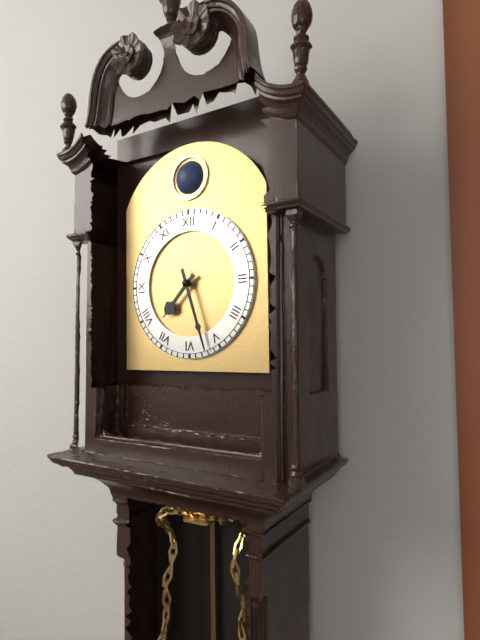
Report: 7:27
